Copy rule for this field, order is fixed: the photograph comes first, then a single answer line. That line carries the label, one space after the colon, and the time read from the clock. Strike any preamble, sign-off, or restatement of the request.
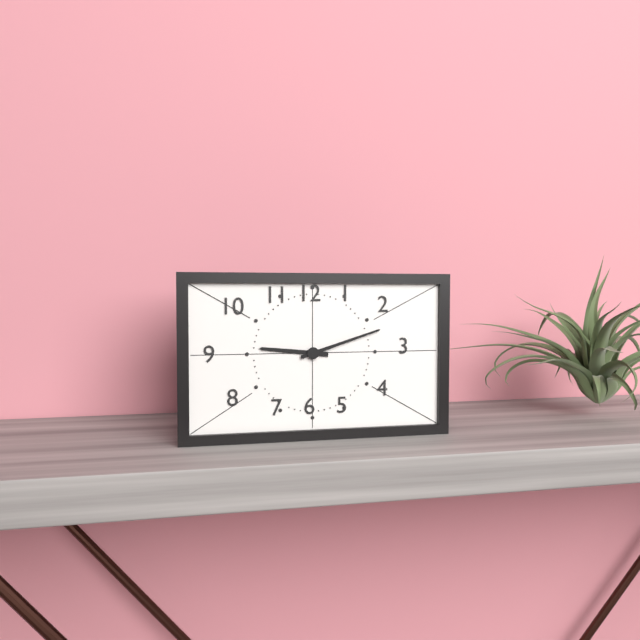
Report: 9:12
